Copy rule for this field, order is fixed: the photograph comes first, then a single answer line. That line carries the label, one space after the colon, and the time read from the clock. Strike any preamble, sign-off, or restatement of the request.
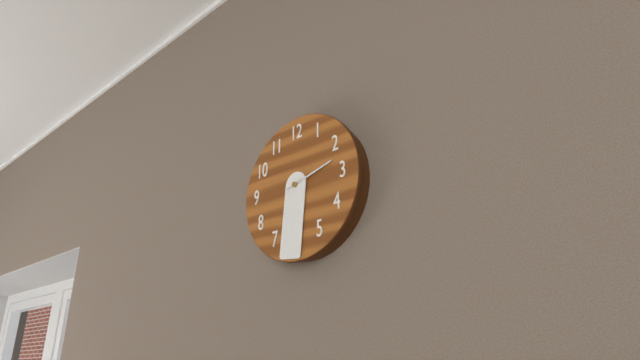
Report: 2:31
